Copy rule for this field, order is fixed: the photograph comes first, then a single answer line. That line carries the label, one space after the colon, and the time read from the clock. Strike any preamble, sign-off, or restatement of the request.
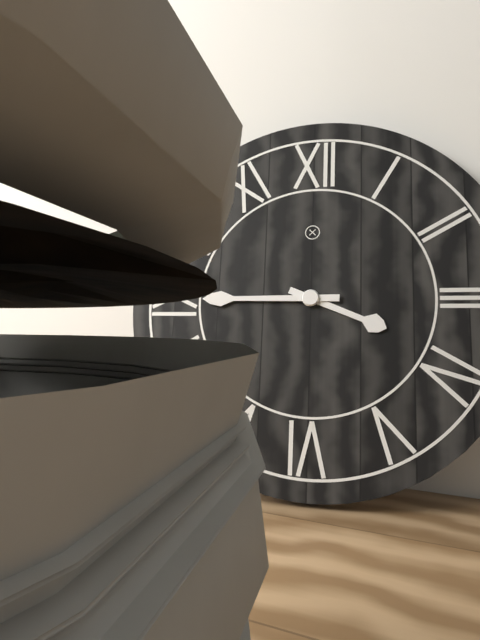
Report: 3:45
